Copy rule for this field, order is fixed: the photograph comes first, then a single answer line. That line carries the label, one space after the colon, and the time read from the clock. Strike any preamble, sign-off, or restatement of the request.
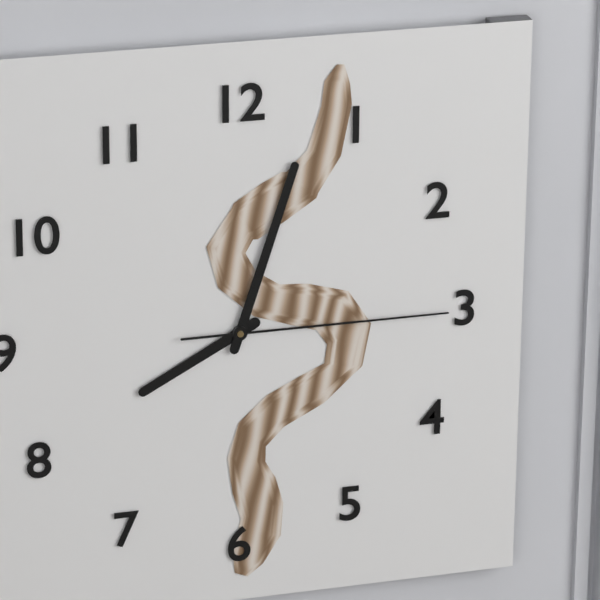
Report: 8:03:15
